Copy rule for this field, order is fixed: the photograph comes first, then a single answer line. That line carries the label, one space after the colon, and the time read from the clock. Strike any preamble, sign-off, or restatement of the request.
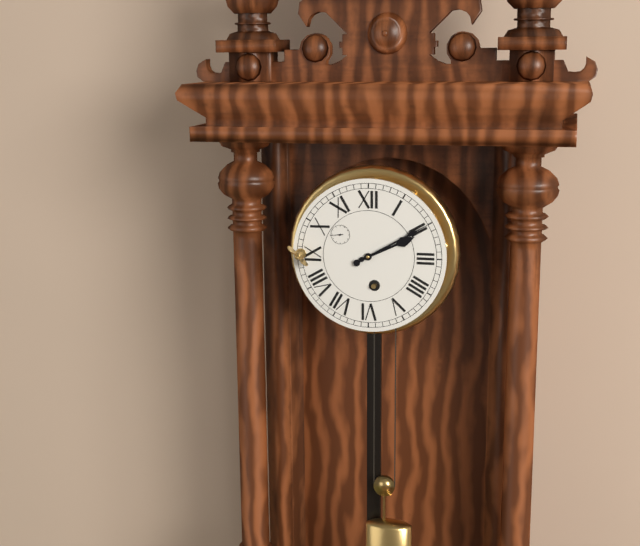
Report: 2:10
